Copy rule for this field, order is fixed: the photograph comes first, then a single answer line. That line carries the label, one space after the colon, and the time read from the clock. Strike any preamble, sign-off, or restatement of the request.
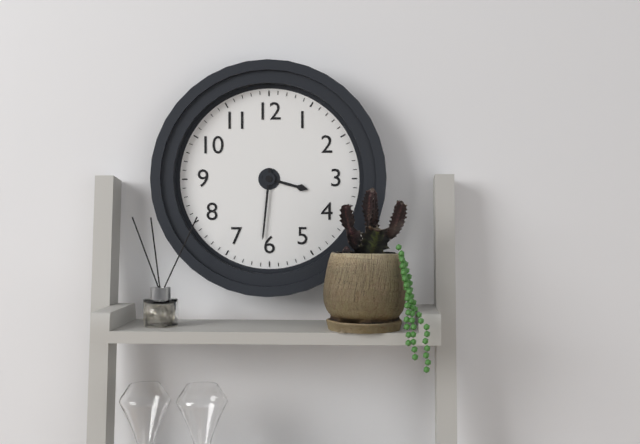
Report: 3:31
